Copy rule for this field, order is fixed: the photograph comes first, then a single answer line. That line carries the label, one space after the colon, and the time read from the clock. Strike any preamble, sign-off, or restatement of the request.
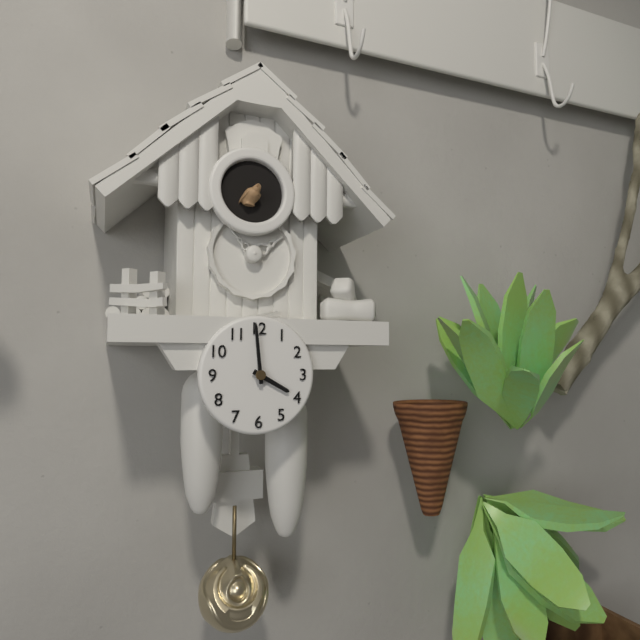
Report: 3:59
